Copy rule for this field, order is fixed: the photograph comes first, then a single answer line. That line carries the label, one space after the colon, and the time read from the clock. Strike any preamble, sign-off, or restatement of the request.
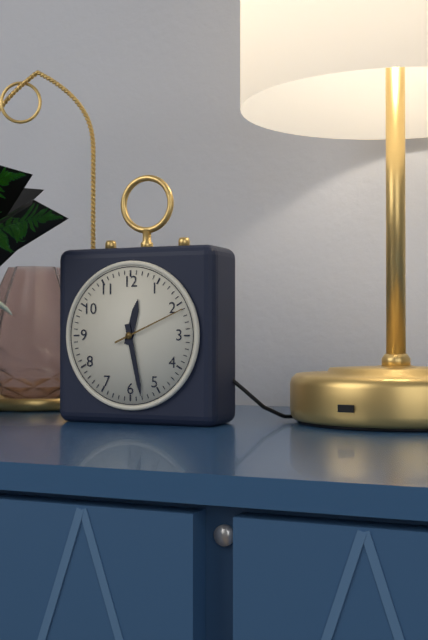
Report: 12:28:11
